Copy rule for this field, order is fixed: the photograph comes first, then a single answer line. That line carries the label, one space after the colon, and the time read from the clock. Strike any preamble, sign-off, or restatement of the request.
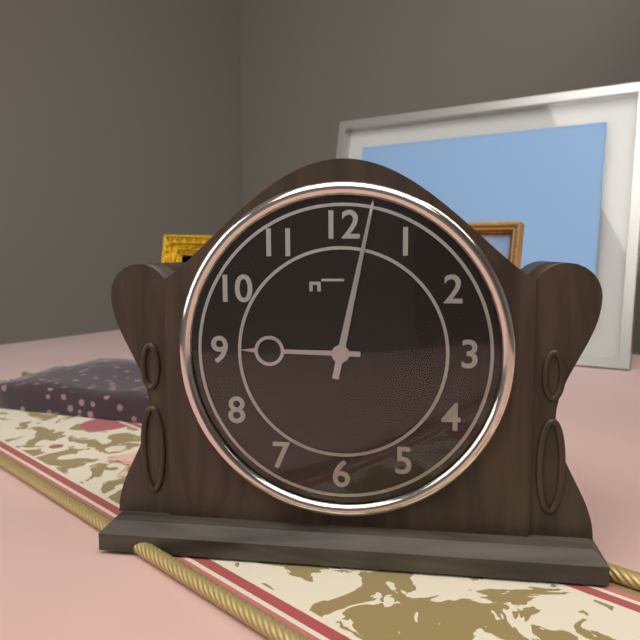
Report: 9:02
